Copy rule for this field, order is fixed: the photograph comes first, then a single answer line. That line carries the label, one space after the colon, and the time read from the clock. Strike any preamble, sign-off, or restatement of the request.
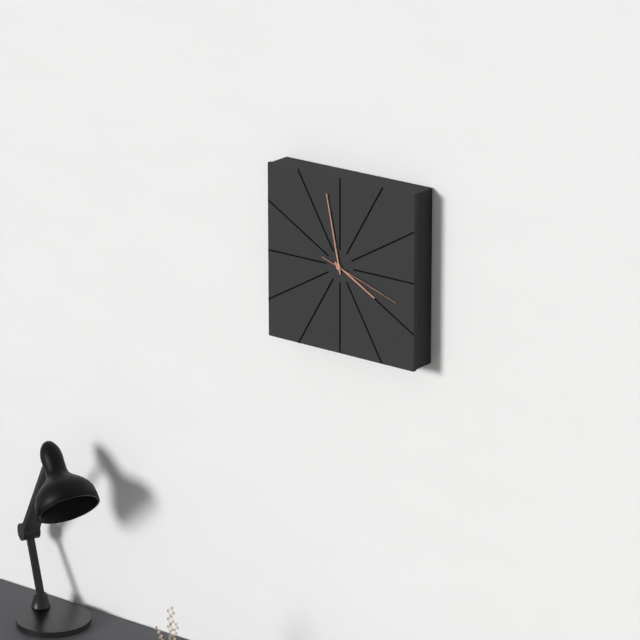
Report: 3:58:18
